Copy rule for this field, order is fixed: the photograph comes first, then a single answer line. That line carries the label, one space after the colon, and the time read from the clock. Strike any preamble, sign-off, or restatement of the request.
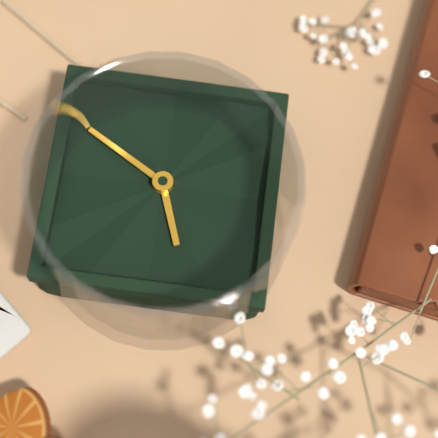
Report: 11:20
